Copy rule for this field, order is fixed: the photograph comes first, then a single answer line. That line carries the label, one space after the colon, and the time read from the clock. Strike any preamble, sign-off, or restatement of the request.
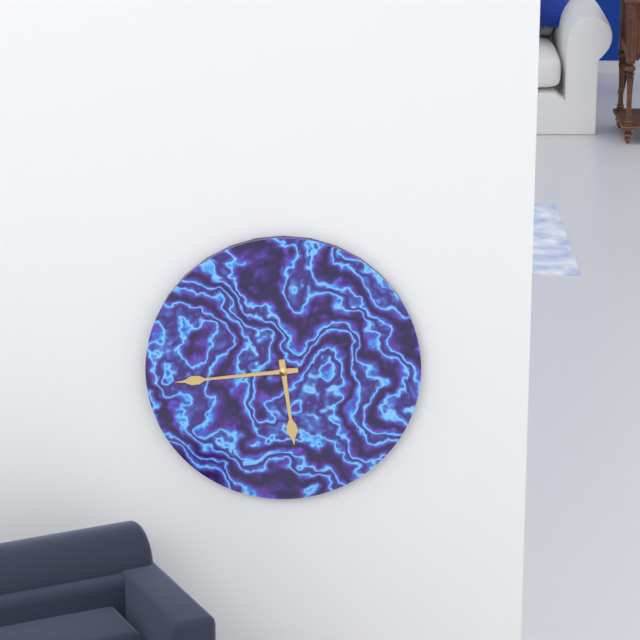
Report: 5:44
